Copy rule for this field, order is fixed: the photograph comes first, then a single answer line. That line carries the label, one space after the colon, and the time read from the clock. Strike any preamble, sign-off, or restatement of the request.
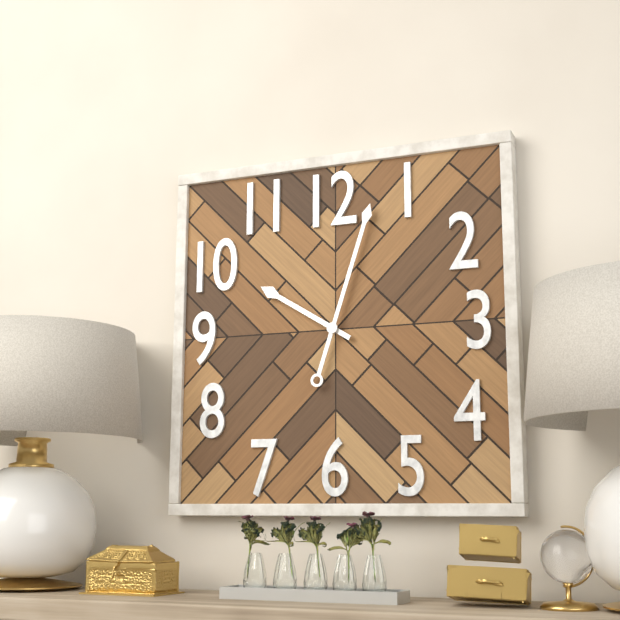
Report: 10:03
